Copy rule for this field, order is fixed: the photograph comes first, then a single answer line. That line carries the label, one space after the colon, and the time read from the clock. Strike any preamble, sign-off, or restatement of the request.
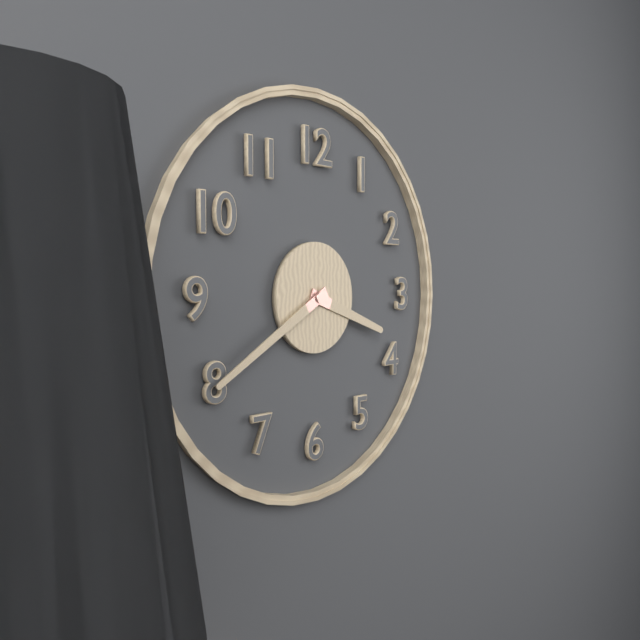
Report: 3:40
